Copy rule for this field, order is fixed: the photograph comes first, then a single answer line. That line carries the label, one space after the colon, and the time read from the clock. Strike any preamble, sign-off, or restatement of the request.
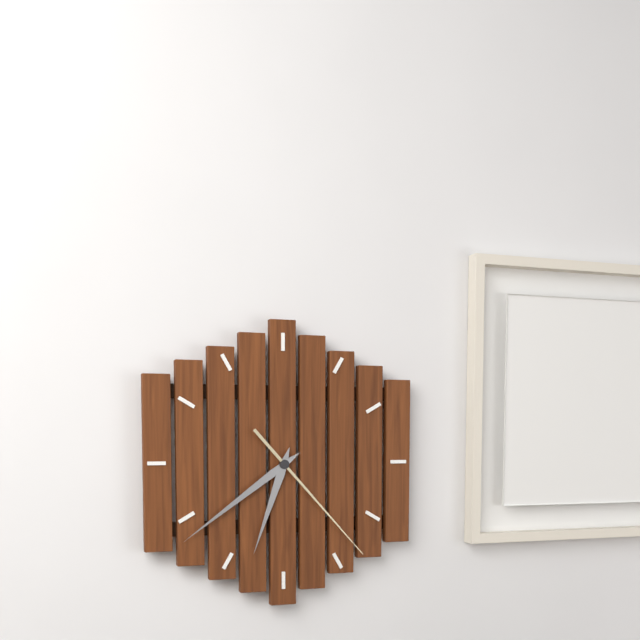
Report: 6:39:23
